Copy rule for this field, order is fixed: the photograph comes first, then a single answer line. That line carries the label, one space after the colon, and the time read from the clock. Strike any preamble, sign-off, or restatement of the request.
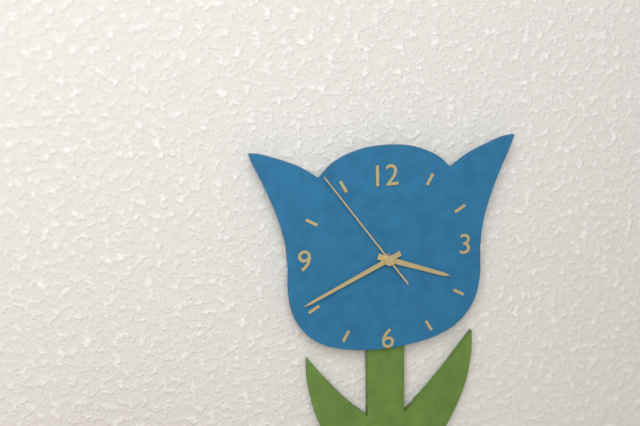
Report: 3:41:54
